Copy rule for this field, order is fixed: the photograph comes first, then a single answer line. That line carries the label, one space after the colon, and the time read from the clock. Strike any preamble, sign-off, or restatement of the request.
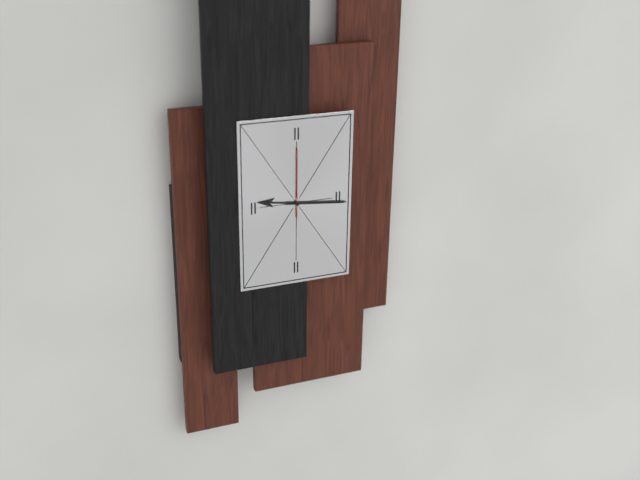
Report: 9:16:00
